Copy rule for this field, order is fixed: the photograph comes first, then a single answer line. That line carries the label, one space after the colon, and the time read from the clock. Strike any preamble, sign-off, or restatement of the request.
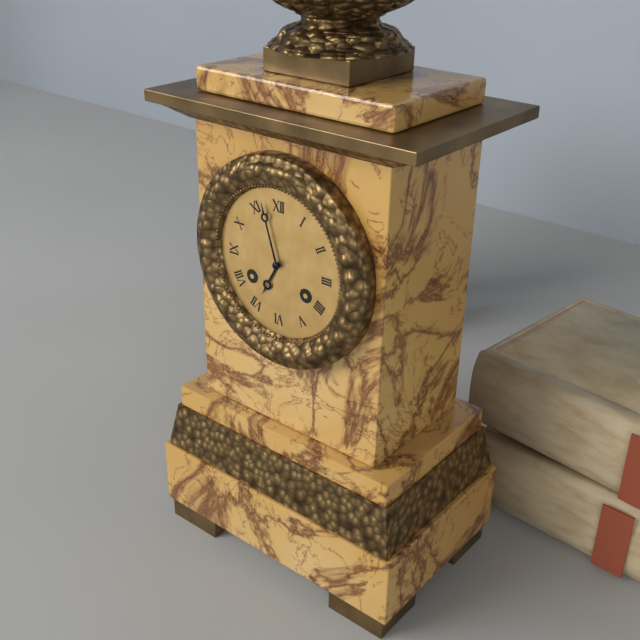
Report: 6:57
